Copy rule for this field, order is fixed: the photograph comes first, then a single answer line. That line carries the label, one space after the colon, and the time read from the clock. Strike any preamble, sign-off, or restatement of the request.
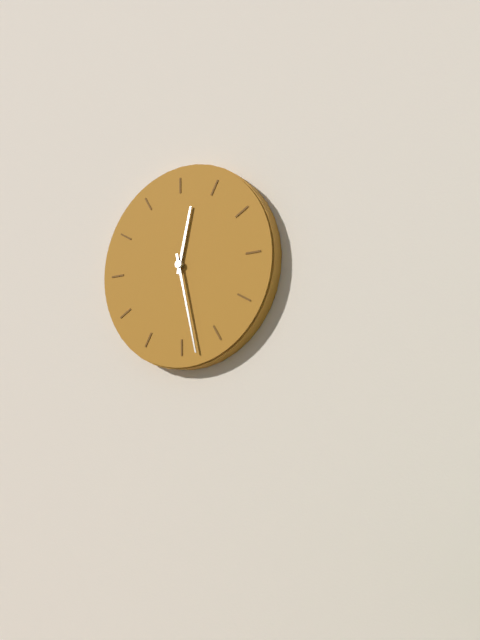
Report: 12:28
